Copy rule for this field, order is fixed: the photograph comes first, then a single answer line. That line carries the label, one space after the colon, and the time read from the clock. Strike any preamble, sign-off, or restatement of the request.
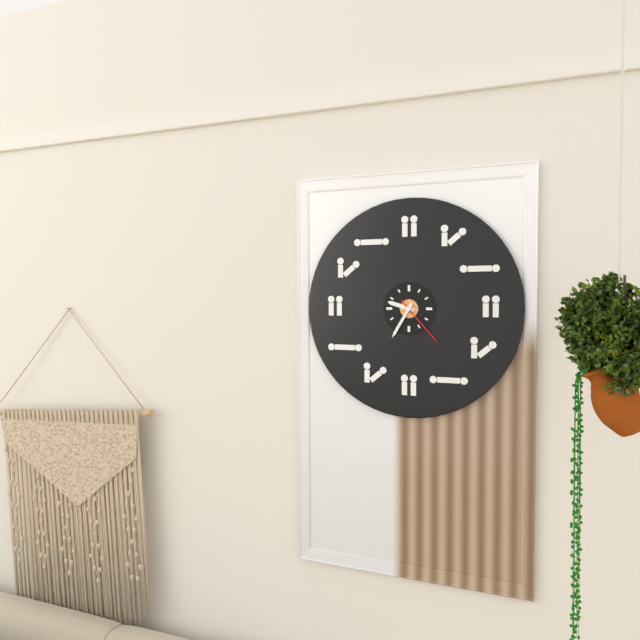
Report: 9:35:23
